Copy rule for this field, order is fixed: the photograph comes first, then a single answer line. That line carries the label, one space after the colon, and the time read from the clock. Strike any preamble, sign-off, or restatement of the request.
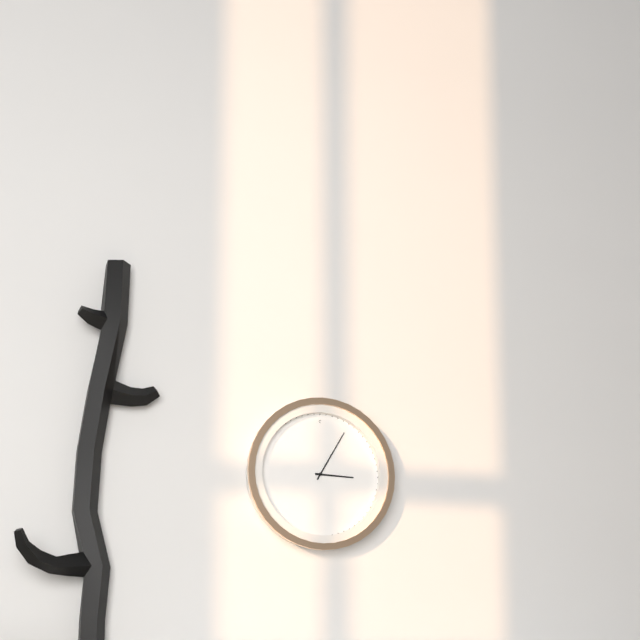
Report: 3:05
